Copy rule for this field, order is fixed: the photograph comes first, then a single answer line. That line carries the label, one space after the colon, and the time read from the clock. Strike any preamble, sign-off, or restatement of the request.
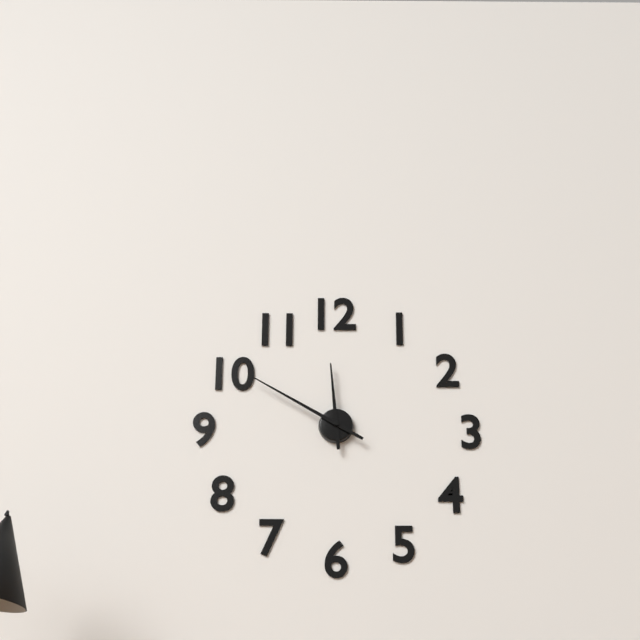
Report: 11:50
